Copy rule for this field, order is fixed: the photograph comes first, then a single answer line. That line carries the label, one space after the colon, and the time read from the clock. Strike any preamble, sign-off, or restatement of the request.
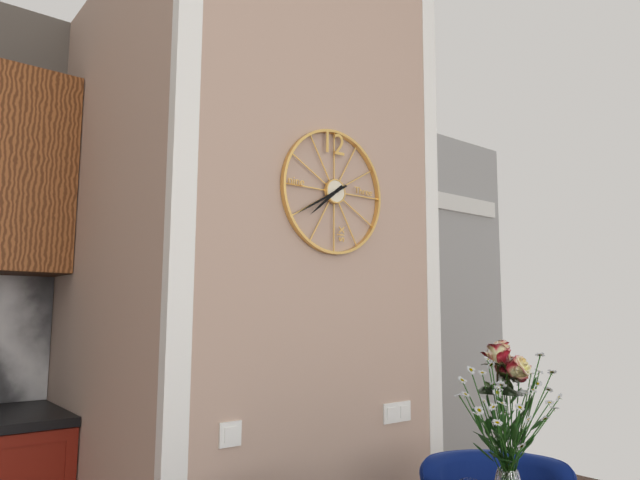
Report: 7:40
